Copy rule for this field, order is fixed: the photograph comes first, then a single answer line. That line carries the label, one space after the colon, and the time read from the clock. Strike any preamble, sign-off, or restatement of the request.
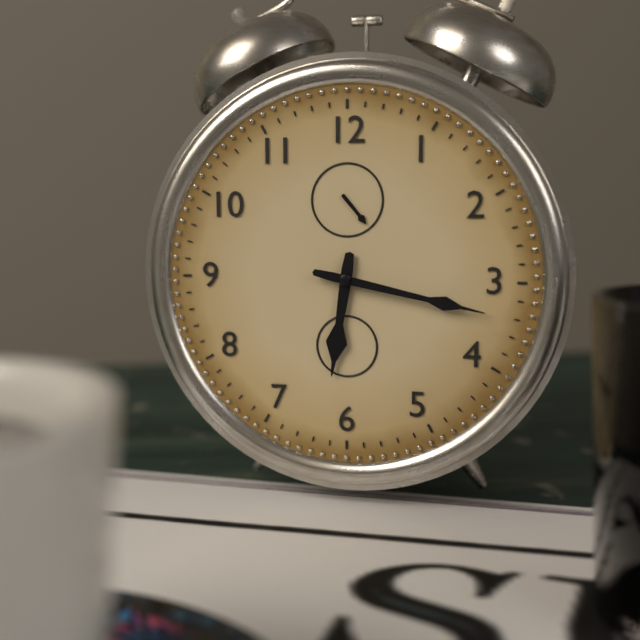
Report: 6:17
